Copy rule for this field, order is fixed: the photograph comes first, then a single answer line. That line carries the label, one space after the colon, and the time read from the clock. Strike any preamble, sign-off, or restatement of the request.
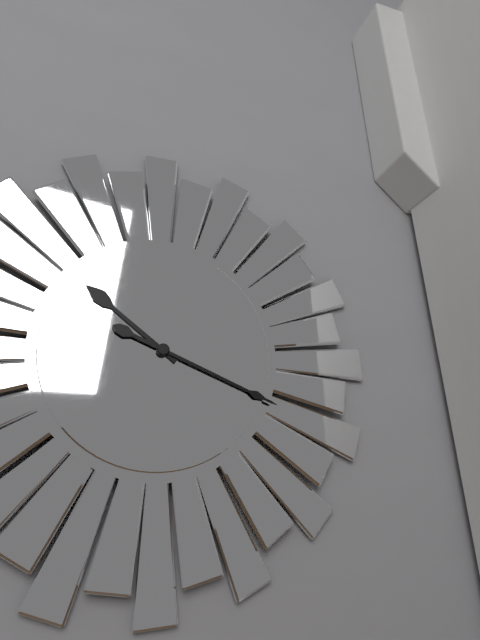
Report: 10:19
